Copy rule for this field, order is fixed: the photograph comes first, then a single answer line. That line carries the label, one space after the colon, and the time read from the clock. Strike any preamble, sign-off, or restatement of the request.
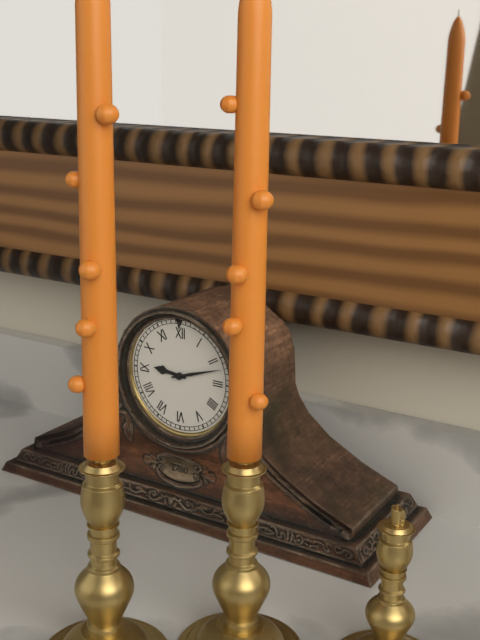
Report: 9:12
